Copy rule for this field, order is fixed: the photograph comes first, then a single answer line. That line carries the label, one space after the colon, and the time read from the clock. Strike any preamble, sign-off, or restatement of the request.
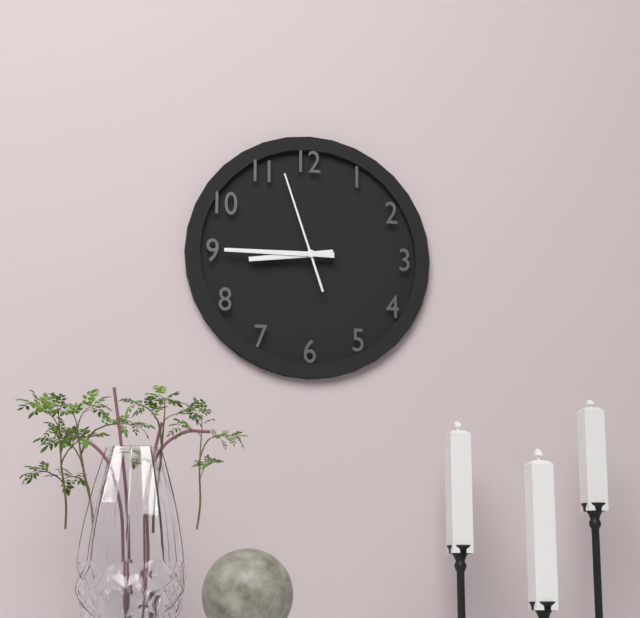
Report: 8:45:57
